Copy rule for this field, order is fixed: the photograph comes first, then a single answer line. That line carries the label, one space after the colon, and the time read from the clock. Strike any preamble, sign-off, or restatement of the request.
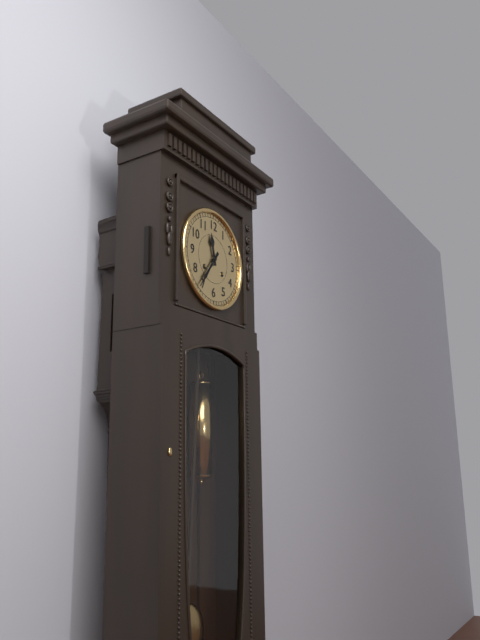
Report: 11:36
